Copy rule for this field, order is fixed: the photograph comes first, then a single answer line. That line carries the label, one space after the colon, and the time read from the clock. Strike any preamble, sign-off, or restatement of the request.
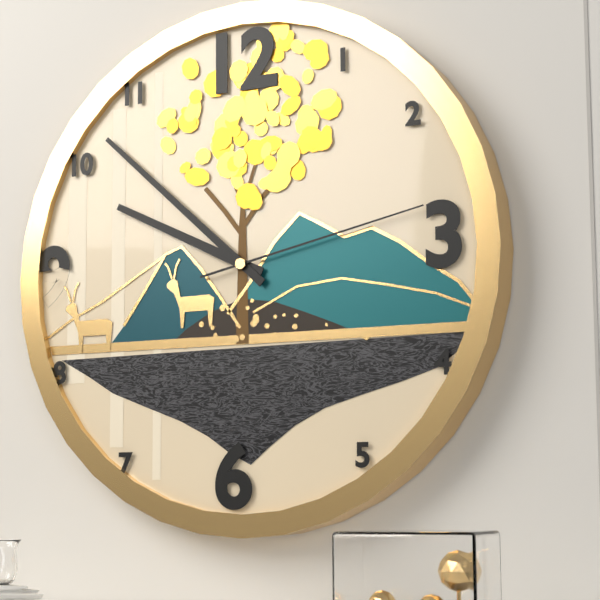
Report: 9:52:13
